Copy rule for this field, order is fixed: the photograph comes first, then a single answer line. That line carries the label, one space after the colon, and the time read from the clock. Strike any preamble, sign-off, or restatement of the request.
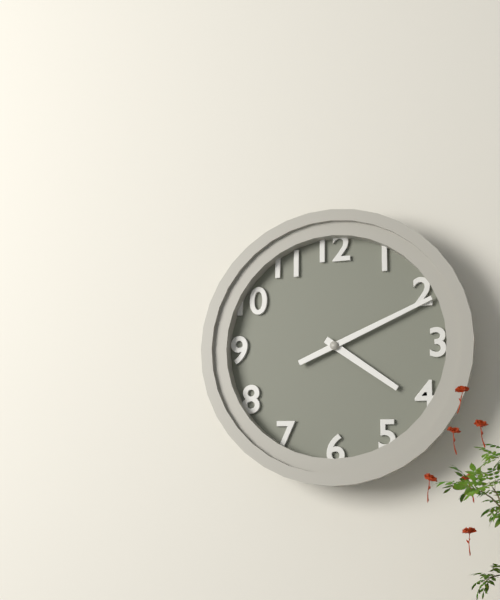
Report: 4:11
